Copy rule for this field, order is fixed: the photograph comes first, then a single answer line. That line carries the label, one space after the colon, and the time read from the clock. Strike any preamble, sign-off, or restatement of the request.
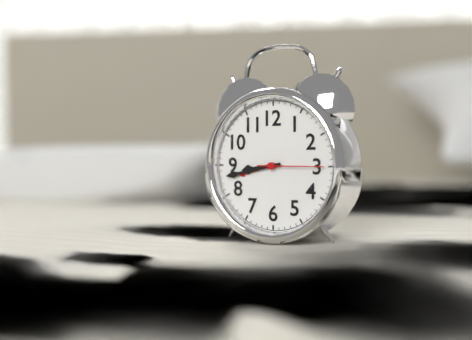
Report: 8:43:15
